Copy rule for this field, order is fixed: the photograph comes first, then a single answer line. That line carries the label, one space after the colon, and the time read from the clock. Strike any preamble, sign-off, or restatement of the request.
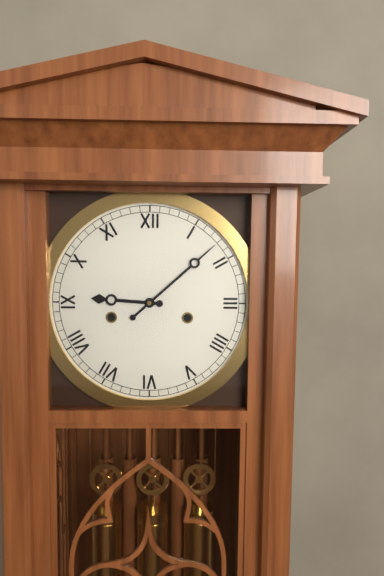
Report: 9:08
